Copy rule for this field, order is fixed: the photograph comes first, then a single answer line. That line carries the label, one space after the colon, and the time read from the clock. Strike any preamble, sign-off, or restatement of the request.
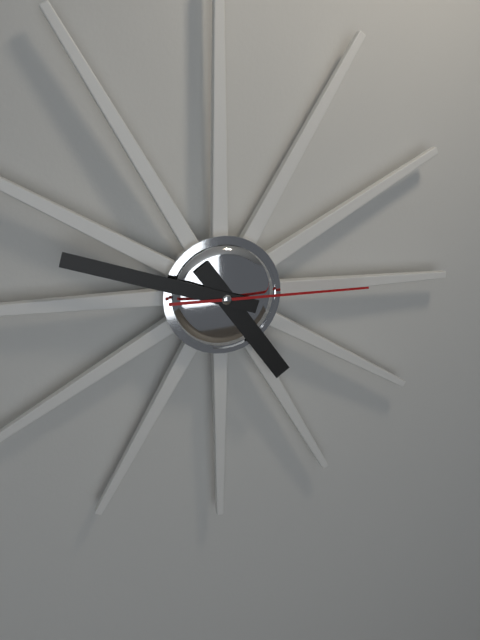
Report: 4:48:15
